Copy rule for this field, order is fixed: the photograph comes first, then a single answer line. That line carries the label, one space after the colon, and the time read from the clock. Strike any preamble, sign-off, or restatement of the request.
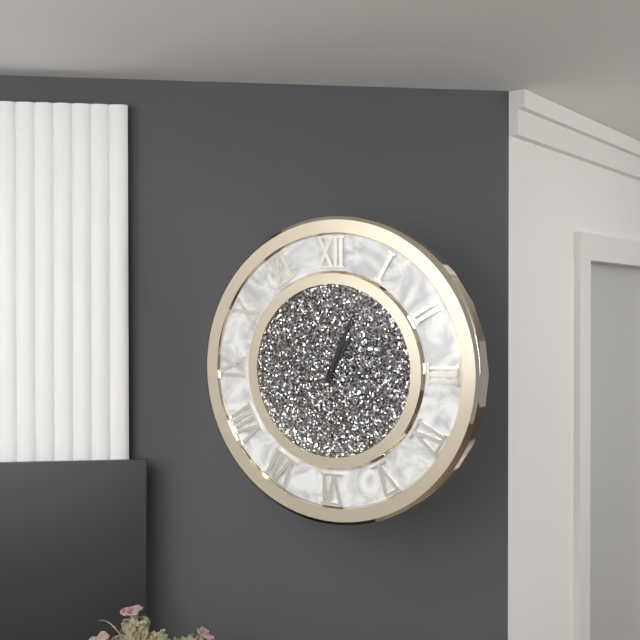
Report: 1:04
